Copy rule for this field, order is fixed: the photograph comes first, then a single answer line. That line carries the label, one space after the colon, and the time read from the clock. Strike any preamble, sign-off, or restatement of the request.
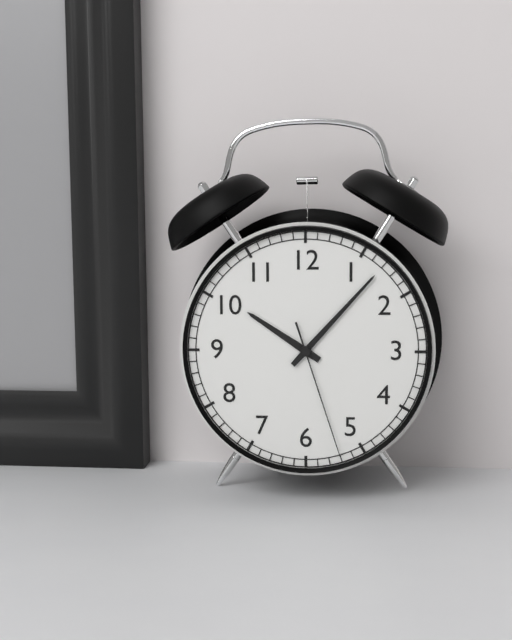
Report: 10:07:27
